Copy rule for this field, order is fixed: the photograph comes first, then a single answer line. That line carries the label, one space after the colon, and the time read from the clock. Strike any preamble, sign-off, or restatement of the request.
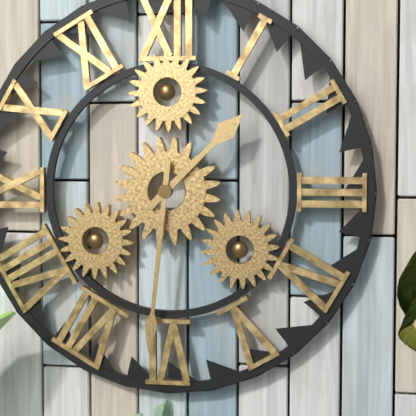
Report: 1:31
